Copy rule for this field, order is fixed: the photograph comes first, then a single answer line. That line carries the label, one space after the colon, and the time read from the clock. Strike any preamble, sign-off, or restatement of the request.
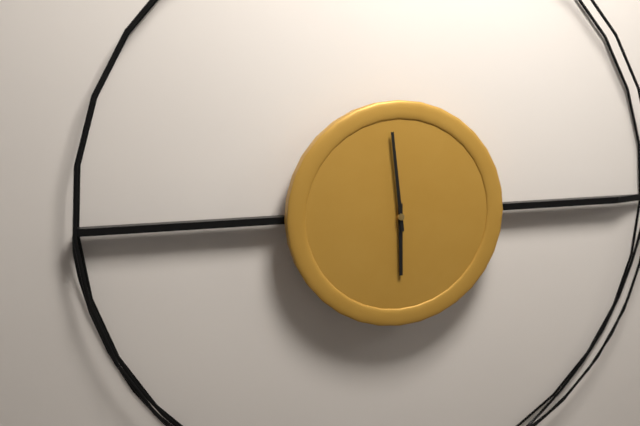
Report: 5:59
